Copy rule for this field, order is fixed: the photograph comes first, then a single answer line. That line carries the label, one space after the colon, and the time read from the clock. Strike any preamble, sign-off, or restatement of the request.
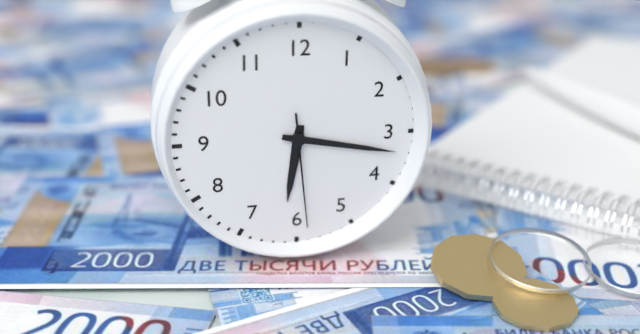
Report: 6:17:29
